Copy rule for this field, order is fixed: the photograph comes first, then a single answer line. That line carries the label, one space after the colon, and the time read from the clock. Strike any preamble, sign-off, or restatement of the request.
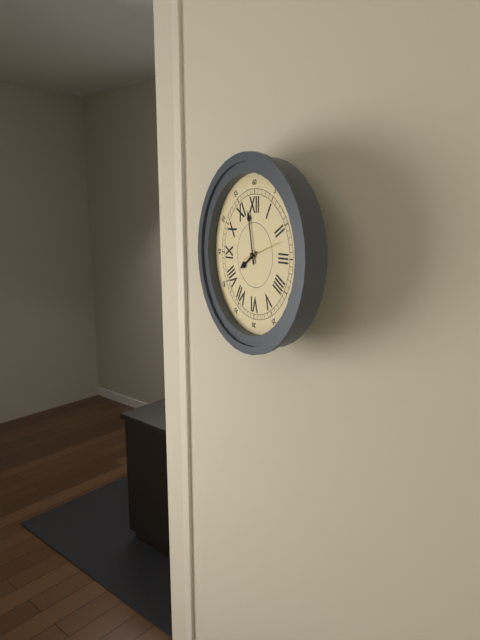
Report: 7:58
